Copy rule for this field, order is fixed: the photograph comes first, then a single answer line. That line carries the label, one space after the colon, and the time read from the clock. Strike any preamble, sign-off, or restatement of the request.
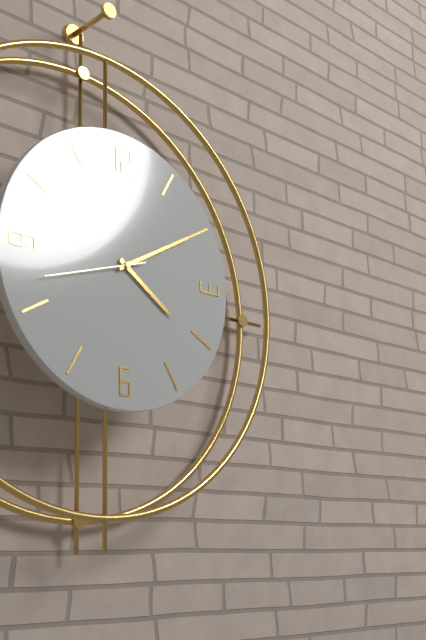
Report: 4:10:42
